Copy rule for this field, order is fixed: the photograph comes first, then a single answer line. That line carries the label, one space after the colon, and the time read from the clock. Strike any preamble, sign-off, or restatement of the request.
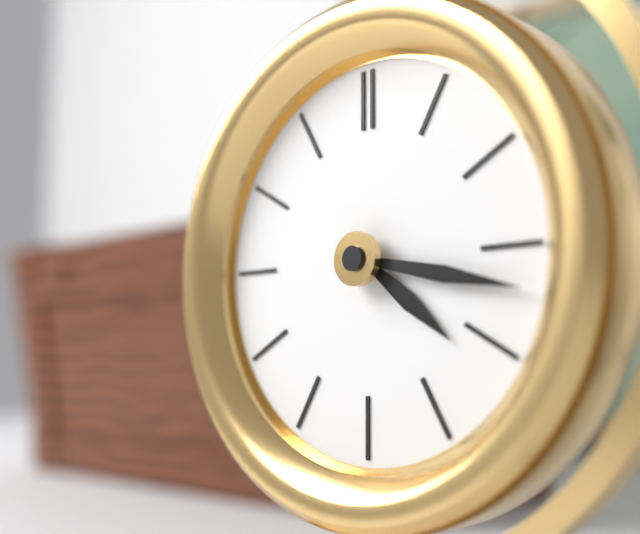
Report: 4:17
